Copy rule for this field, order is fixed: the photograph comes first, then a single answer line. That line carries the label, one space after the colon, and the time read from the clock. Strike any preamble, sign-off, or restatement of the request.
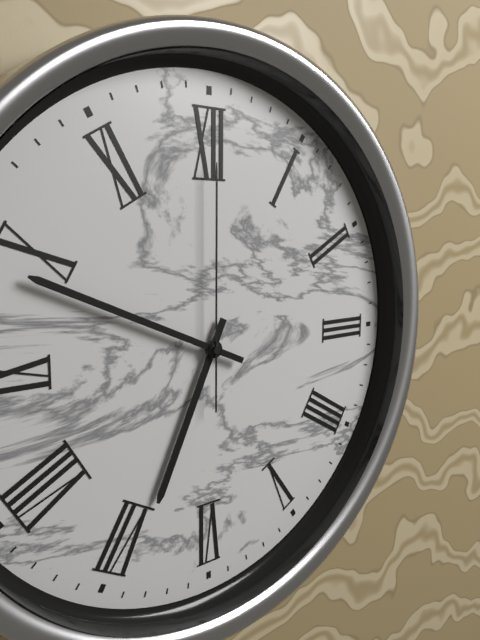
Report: 6:49:00
